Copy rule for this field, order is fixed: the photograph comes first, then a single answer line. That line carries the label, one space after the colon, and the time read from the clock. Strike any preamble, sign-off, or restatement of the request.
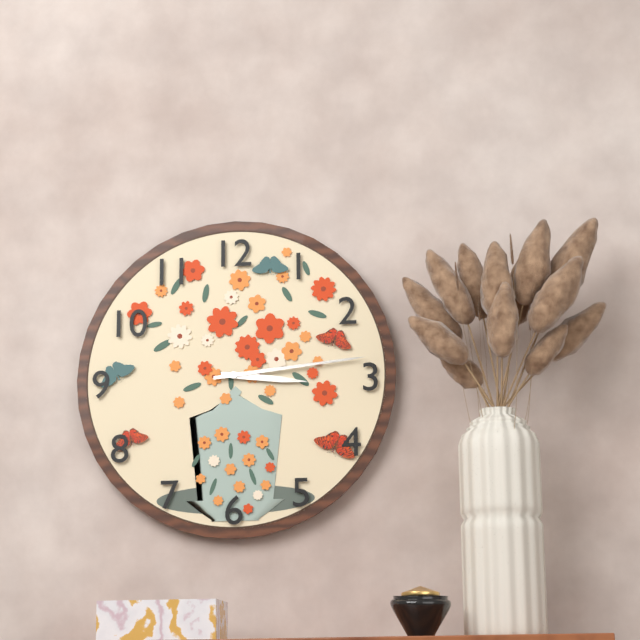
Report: 3:14
